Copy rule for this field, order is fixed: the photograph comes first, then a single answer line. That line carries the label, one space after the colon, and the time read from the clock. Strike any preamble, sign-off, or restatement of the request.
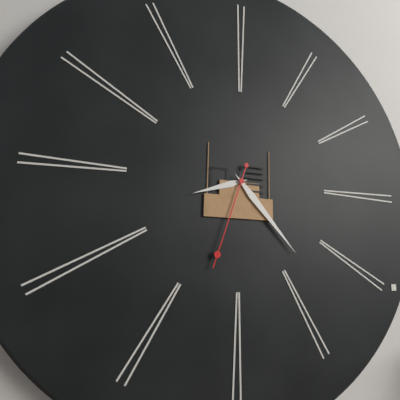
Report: 8:23:33
